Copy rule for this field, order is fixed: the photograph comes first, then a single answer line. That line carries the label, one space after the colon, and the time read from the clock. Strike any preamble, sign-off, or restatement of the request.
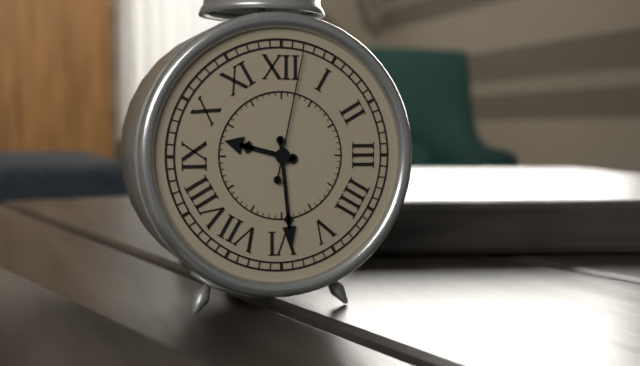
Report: 9:29:02
